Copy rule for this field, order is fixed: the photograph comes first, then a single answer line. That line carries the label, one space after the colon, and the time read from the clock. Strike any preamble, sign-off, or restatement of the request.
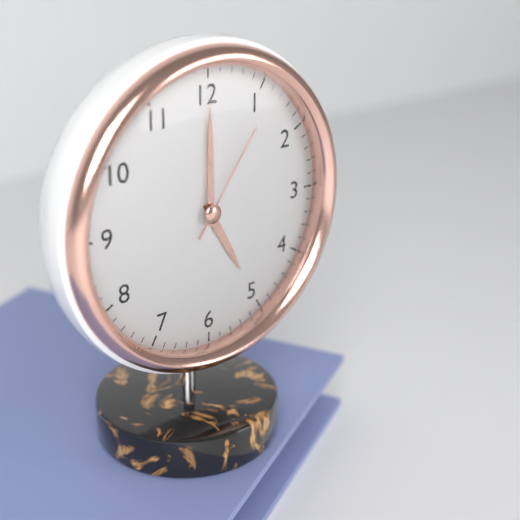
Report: 5:00:06
